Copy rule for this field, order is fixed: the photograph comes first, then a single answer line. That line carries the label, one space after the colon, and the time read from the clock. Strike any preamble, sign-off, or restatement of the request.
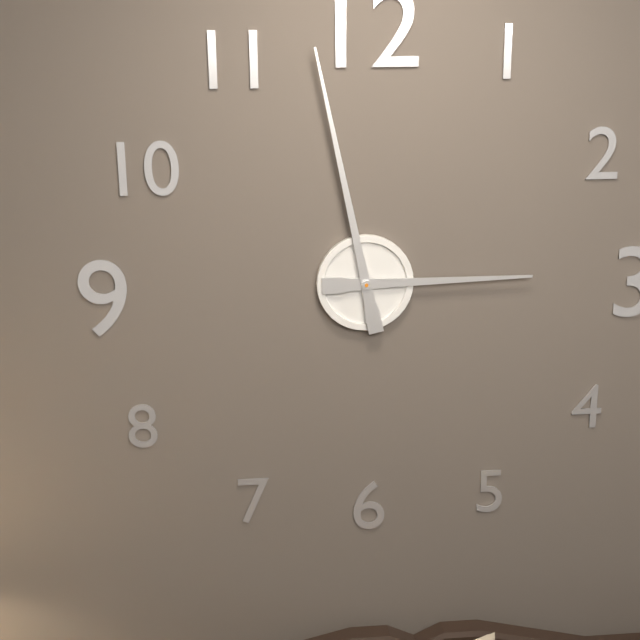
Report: 2:58
